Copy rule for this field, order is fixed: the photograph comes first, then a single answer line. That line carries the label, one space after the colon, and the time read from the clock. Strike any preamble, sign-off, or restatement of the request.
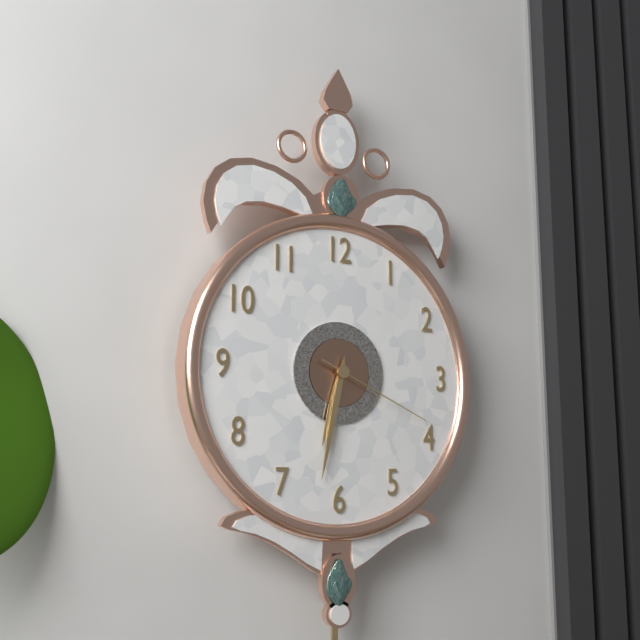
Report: 6:32:19
